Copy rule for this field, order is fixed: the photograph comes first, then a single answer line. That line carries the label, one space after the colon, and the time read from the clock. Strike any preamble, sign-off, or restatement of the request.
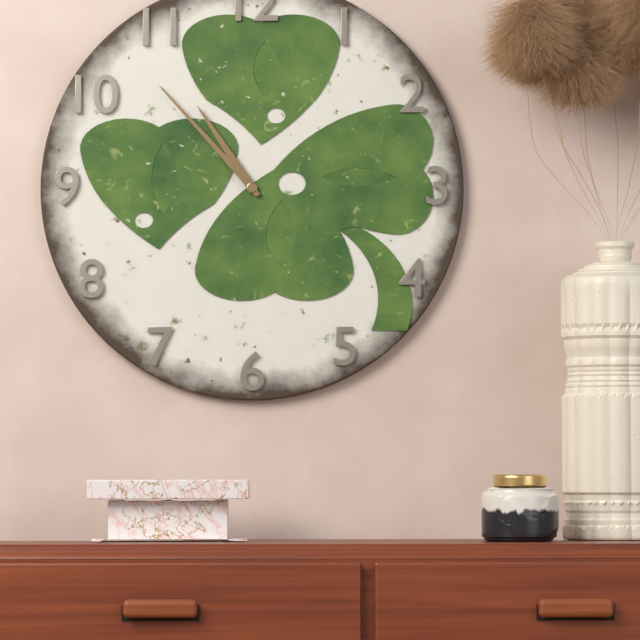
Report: 10:53
